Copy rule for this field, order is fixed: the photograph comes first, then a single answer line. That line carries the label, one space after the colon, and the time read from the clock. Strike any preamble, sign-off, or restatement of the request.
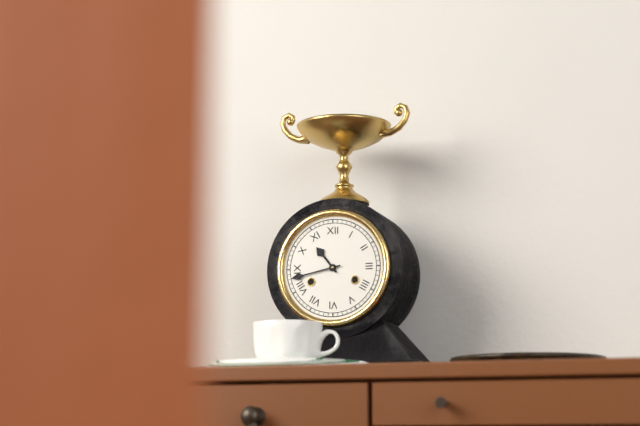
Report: 10:43
